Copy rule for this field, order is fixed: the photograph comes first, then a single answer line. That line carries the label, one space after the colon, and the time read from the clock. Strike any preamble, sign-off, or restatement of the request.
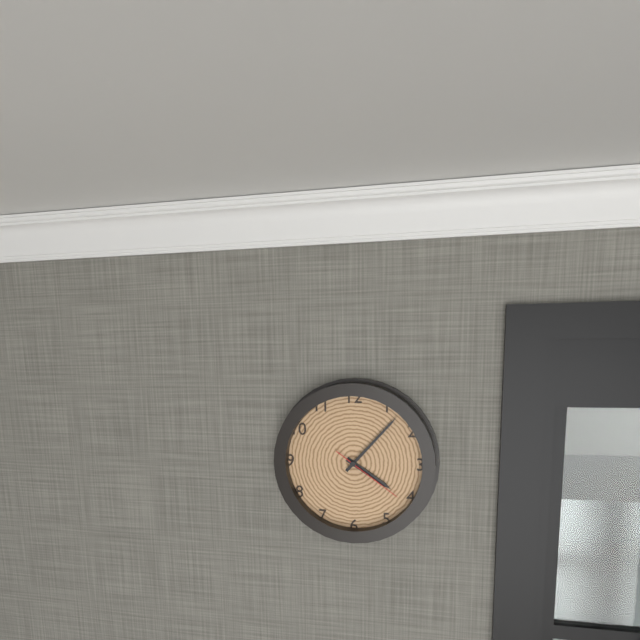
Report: 4:07:21
